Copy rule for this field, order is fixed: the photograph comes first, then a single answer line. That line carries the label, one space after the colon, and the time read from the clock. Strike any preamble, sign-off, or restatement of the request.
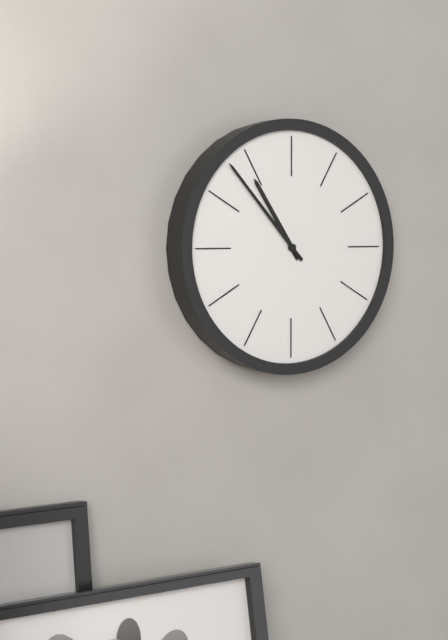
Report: 10:53
